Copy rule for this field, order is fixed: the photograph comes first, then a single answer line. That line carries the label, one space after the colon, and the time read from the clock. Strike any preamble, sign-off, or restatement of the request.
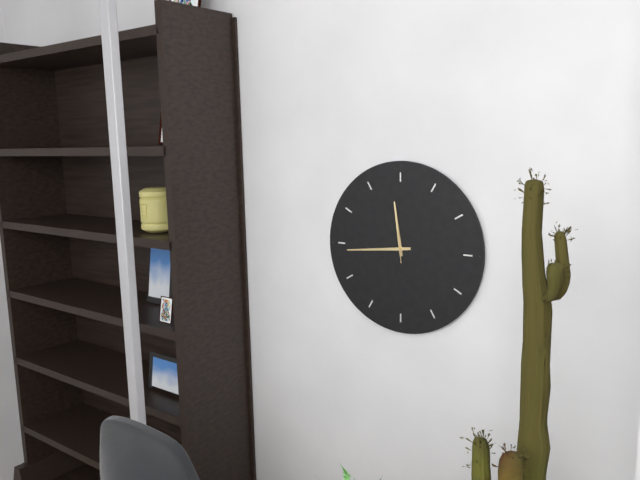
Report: 11:44:59
